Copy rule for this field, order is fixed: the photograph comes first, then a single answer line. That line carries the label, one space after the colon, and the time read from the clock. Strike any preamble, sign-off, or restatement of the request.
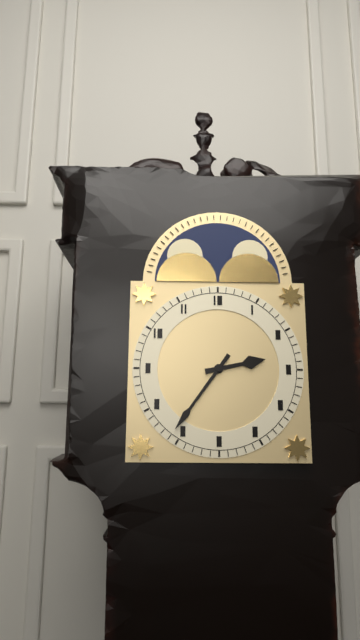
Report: 2:36
